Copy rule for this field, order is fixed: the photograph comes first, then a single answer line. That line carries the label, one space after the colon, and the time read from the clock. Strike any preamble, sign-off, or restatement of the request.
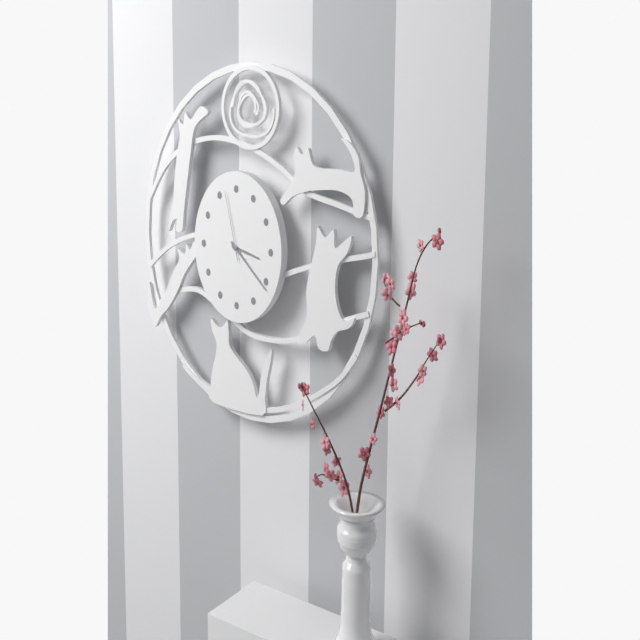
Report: 3:21:57
